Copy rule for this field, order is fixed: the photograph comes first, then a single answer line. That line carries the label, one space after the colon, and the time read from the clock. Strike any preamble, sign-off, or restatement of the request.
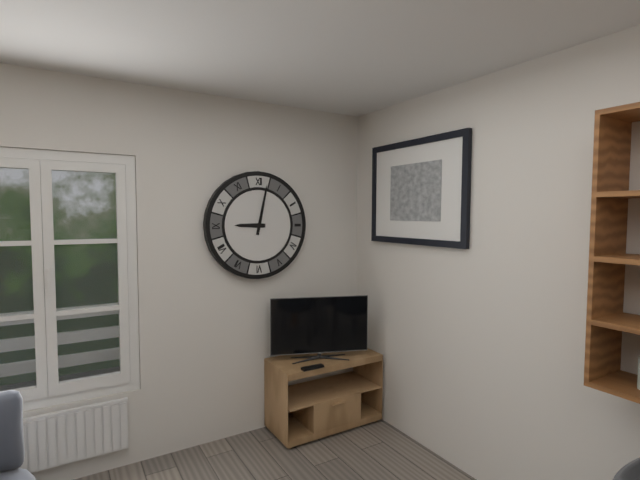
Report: 9:02
